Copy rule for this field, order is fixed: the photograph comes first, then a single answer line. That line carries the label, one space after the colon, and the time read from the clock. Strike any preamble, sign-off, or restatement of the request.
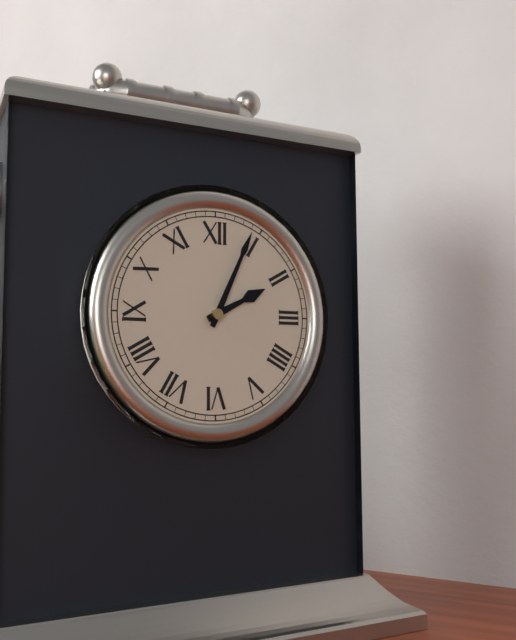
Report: 2:04
